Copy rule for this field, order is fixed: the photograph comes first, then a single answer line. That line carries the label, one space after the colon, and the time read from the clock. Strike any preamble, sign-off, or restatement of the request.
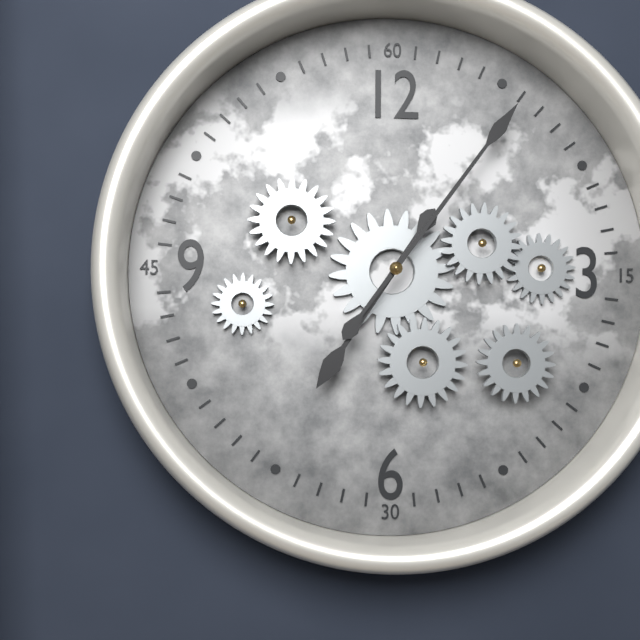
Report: 7:06
